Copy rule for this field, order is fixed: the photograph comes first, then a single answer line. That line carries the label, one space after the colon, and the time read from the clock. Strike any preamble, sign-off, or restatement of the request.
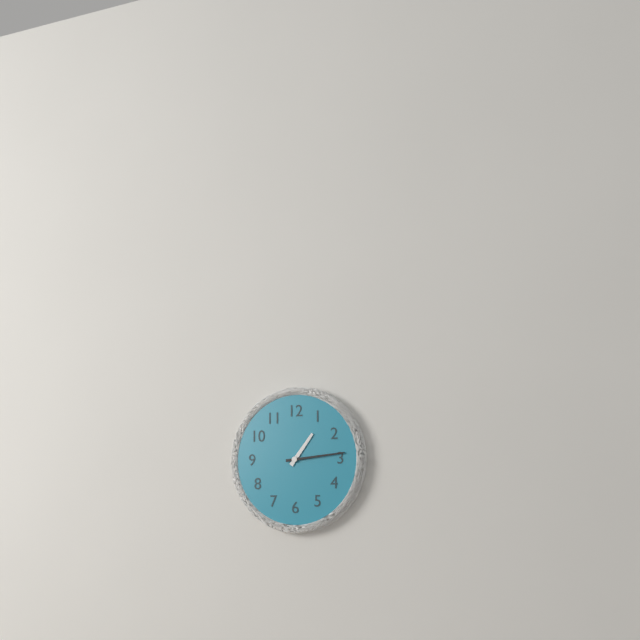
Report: 1:14
